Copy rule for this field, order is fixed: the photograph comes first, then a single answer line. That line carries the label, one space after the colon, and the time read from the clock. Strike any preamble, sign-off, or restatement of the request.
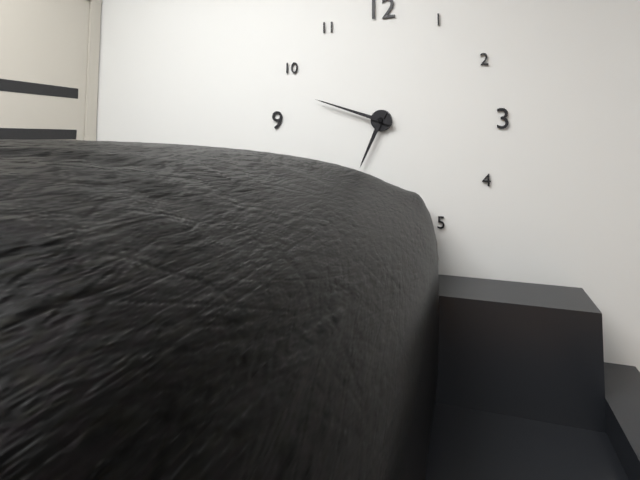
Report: 6:48
